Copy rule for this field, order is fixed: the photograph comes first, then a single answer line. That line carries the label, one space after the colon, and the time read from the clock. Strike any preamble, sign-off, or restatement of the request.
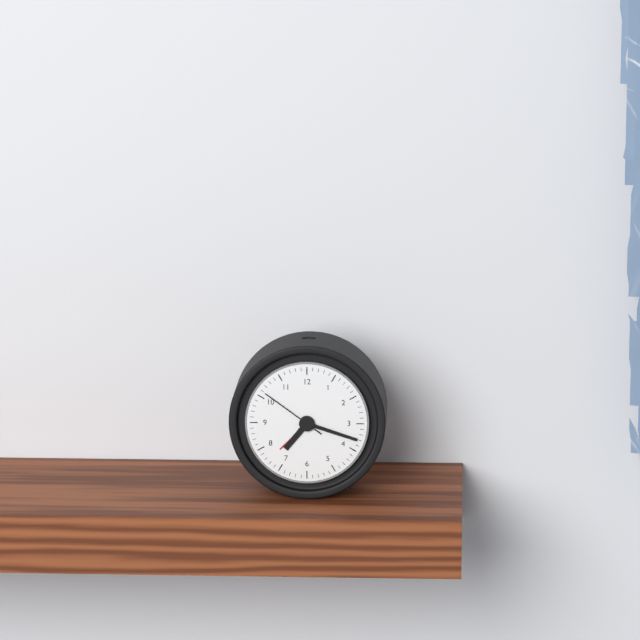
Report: 7:18:51
